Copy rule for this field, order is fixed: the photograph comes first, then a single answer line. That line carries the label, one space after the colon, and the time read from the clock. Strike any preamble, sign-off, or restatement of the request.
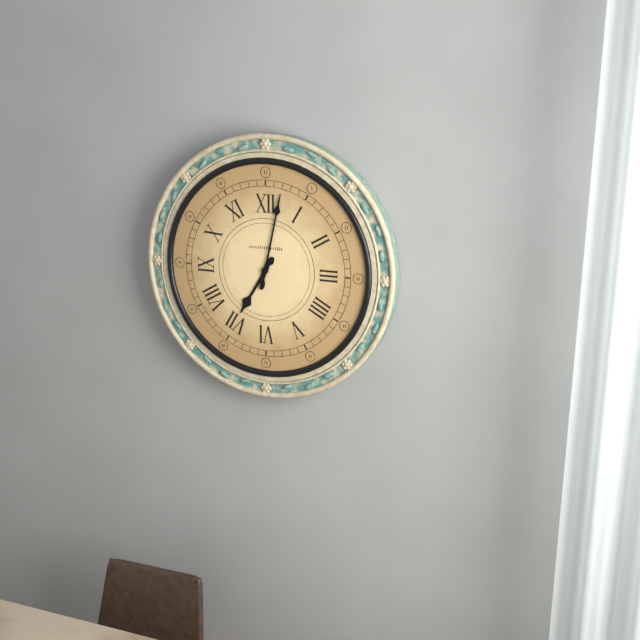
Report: 7:02
